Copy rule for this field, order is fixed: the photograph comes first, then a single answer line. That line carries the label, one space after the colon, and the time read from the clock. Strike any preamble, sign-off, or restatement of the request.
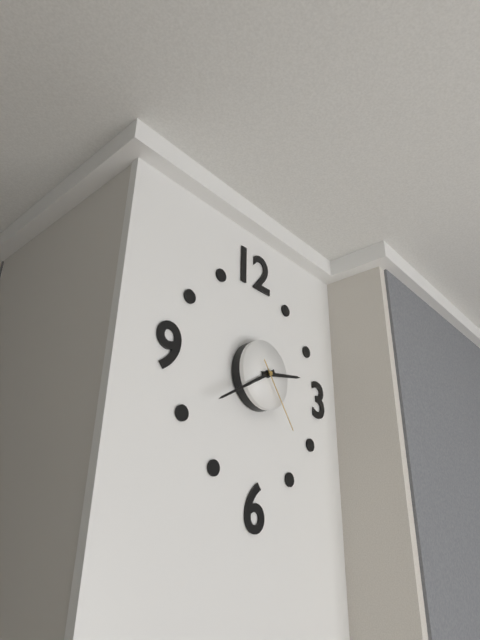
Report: 2:40:24
